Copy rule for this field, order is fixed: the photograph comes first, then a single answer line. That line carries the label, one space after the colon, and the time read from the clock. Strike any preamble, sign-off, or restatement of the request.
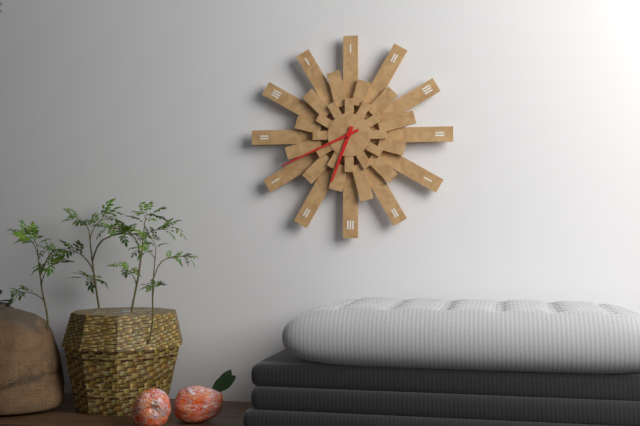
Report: 6:41
